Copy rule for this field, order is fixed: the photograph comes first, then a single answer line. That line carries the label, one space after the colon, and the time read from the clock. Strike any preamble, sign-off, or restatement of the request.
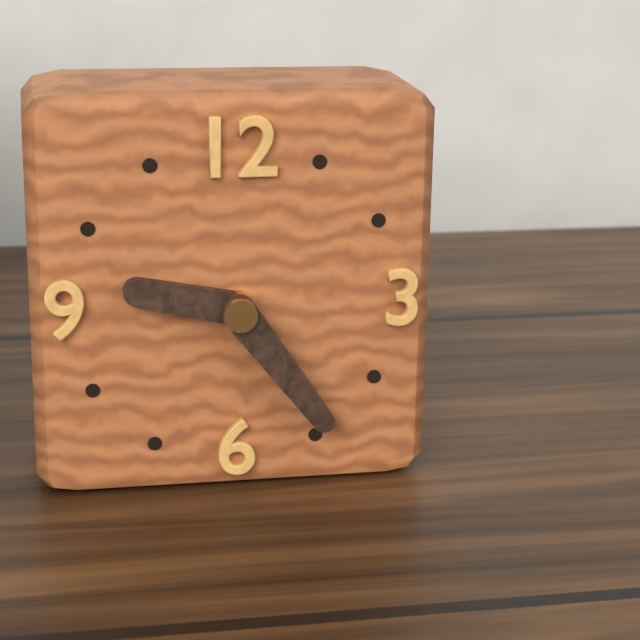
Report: 9:24
